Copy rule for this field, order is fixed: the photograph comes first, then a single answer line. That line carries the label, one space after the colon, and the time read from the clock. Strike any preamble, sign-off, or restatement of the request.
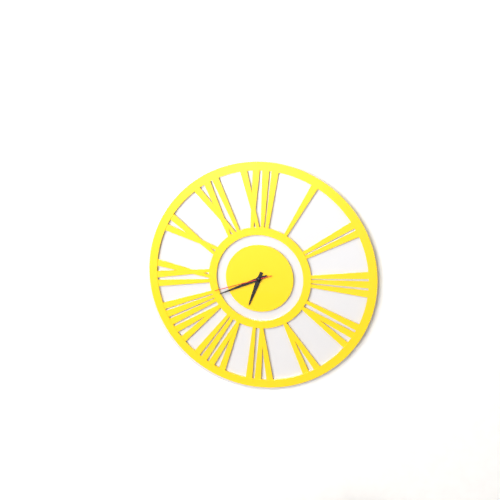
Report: 6:41:42
